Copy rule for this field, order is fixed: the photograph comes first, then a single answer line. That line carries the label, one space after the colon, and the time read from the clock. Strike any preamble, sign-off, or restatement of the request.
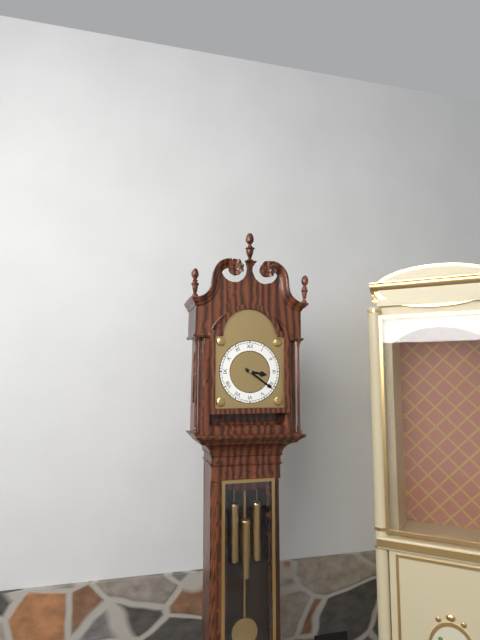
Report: 3:21
